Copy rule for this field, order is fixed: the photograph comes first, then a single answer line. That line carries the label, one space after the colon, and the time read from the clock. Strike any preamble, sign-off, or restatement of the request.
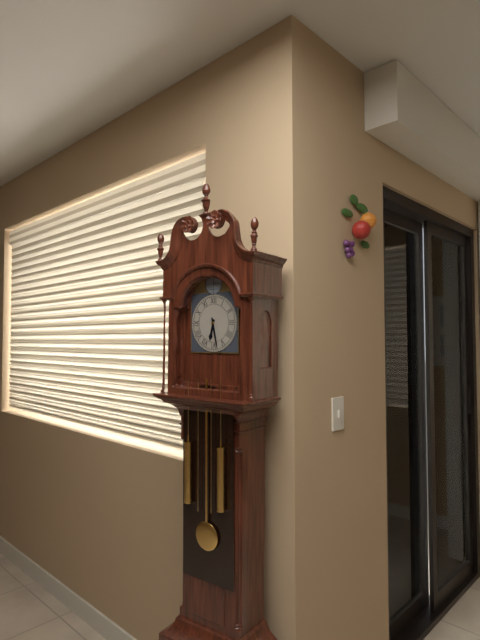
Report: 6:28
